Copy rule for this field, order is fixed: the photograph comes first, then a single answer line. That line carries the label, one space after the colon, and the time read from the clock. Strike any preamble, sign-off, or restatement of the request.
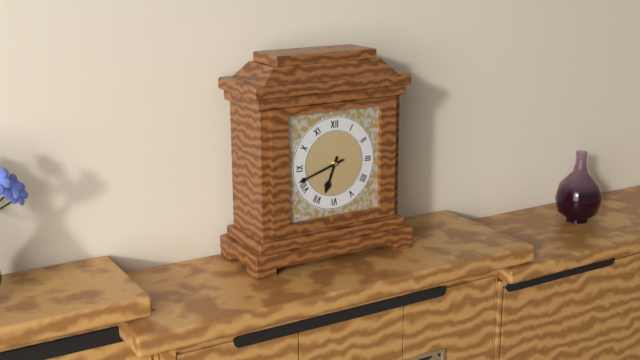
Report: 6:42
